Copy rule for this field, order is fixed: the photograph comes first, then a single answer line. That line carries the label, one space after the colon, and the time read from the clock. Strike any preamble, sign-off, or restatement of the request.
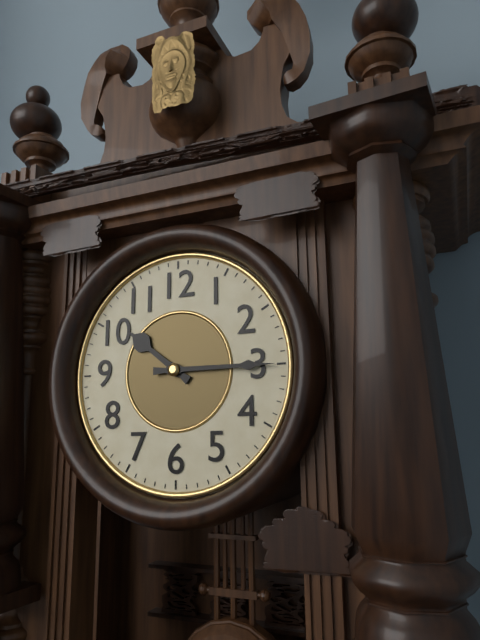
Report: 10:15
